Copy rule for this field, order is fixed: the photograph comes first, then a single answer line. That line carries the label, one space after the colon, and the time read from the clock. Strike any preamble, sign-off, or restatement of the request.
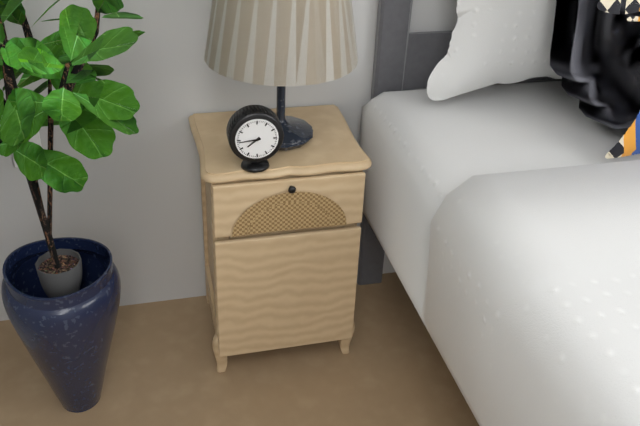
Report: 7:44
